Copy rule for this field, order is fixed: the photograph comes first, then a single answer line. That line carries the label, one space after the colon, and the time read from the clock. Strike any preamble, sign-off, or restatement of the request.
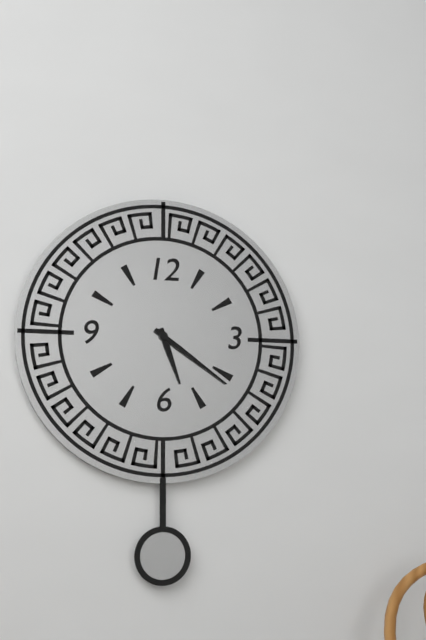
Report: 5:21
